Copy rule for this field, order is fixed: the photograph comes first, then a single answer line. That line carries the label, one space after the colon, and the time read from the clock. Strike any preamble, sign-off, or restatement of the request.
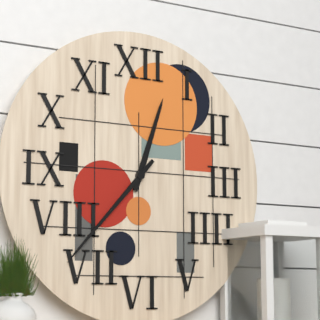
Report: 12:37
